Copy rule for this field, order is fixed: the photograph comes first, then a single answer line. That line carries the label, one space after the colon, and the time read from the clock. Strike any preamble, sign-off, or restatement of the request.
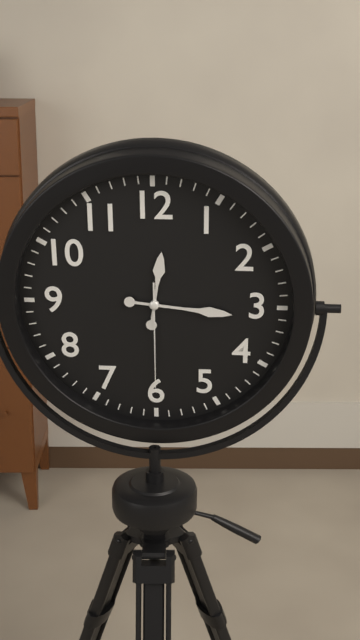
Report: 12:16:30
